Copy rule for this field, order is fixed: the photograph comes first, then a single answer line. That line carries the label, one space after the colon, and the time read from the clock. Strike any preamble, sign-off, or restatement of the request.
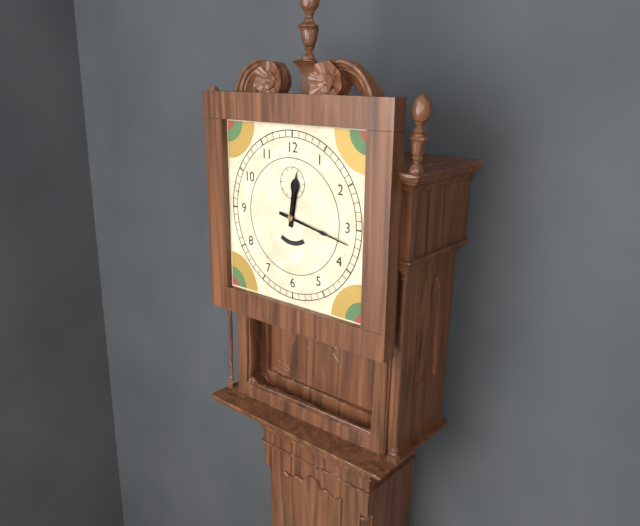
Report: 12:17
